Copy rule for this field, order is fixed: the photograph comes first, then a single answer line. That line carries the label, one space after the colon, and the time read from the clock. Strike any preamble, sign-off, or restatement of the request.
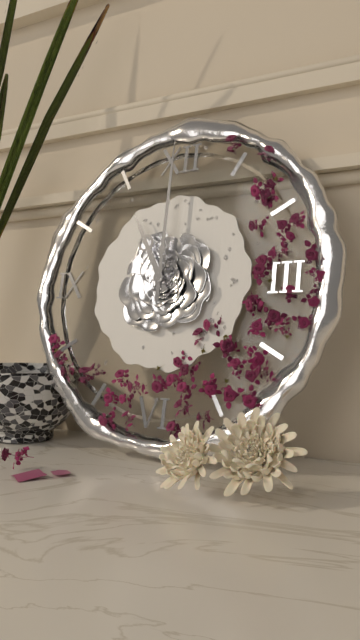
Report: 11:00
